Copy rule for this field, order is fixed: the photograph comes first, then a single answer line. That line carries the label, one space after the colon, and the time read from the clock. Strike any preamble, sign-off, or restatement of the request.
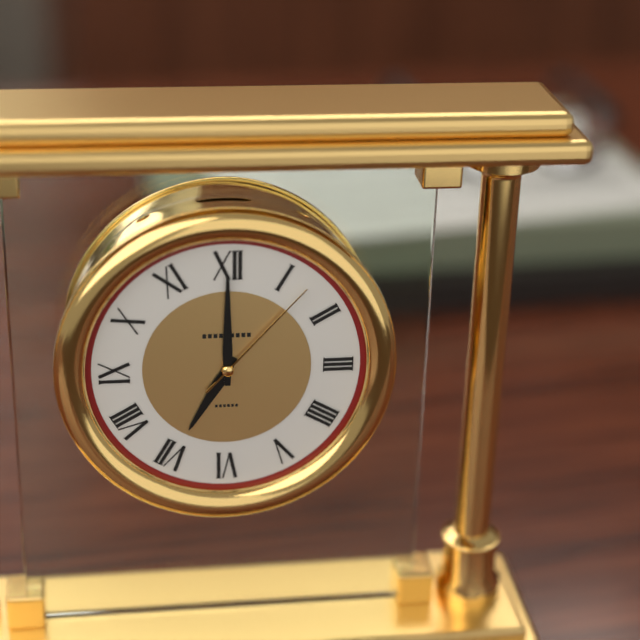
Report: 7:00:07
